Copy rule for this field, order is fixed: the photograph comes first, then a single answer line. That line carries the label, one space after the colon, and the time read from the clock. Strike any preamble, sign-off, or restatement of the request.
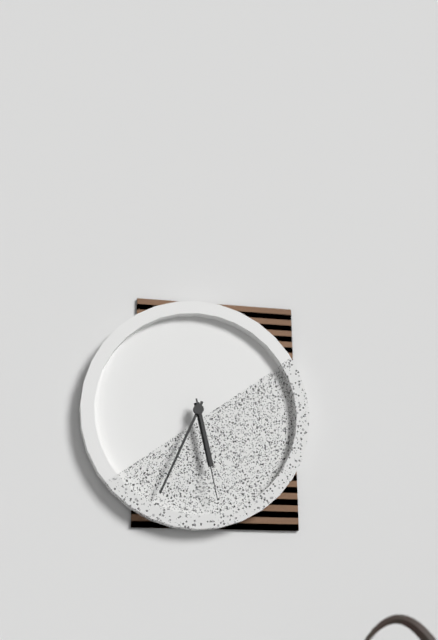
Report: 5:34:28
